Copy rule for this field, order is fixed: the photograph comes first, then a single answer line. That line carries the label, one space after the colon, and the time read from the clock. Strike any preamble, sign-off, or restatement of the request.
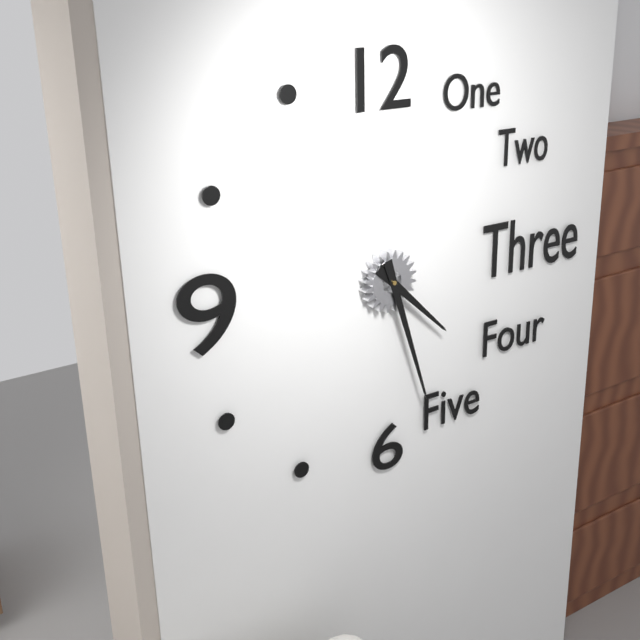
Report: 4:27
